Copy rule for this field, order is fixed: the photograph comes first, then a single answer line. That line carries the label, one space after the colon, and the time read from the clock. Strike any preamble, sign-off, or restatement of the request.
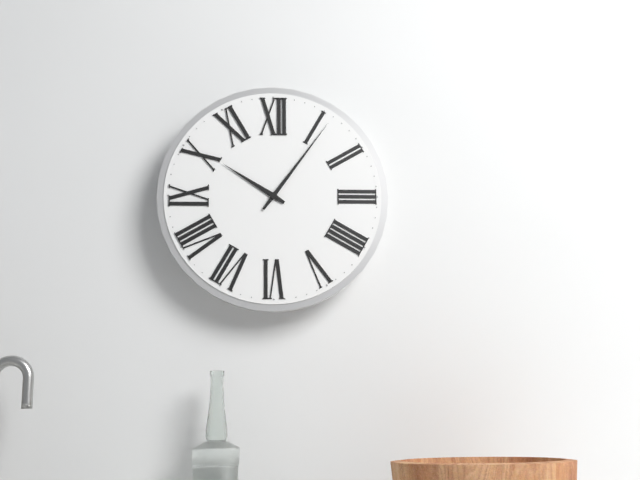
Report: 10:06
